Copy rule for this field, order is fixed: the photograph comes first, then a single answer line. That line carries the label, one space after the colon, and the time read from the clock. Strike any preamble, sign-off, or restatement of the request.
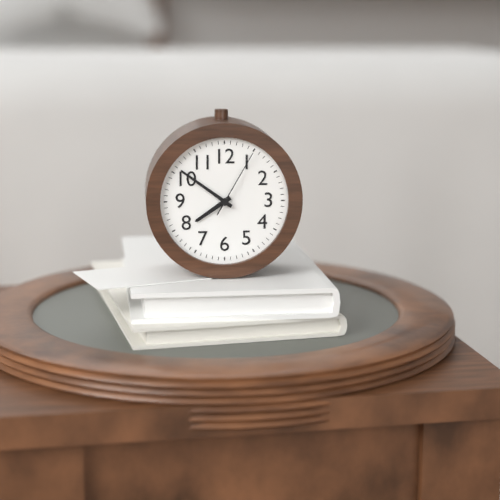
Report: 7:51:05
